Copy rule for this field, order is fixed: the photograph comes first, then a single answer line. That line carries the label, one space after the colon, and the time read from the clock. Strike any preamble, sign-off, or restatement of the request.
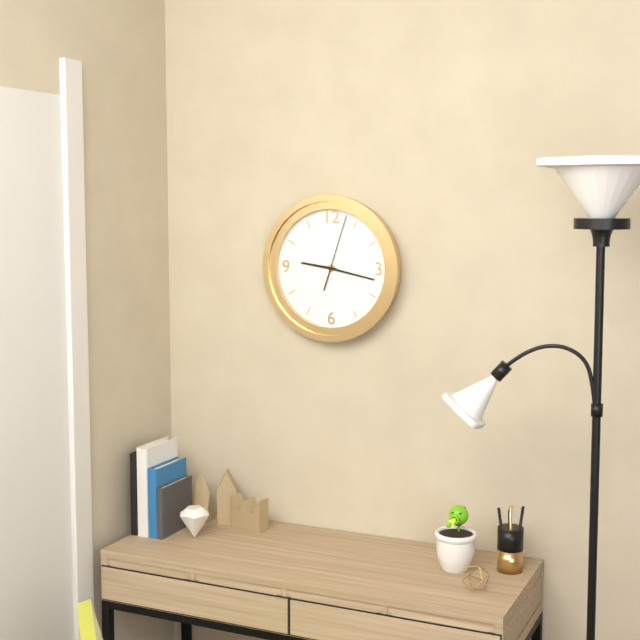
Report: 9:17:03
